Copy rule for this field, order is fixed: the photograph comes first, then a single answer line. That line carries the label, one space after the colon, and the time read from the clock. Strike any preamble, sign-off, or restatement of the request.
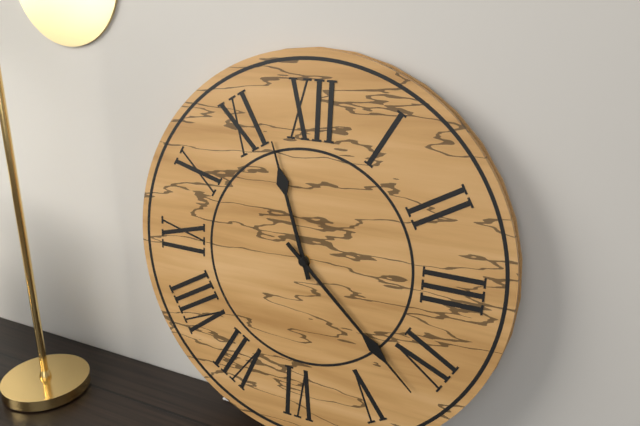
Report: 11:22
